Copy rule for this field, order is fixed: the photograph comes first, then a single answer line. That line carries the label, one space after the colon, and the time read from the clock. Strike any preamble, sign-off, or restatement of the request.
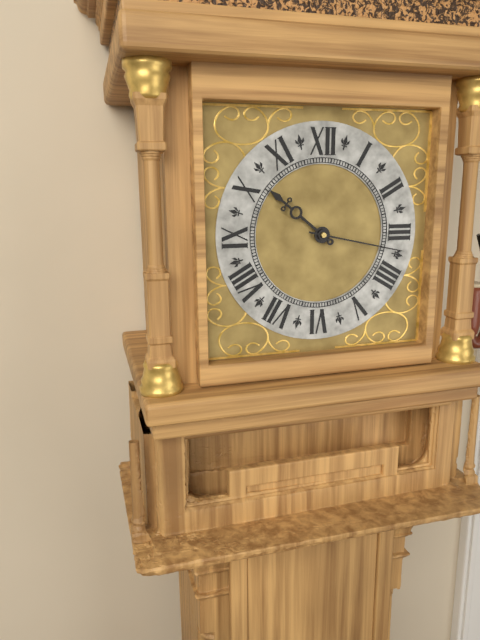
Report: 10:17
